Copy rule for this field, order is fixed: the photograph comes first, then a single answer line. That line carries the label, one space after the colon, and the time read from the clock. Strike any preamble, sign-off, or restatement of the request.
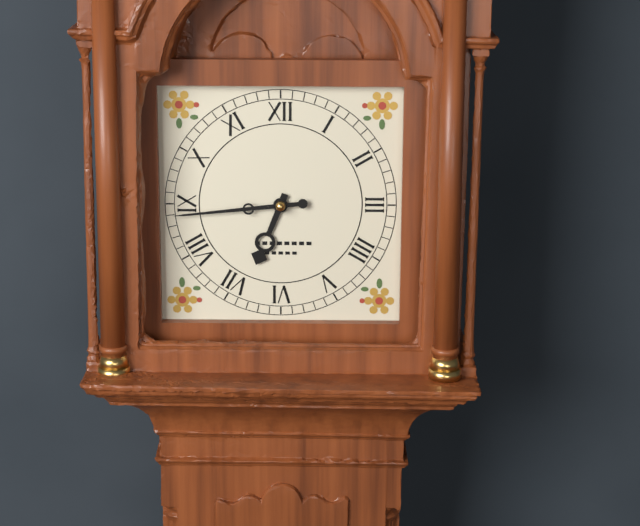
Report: 6:44
